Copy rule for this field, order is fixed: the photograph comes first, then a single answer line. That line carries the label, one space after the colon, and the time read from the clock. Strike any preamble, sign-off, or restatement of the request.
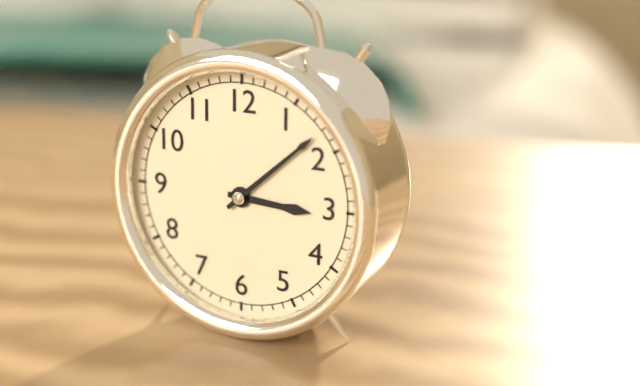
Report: 3:08
